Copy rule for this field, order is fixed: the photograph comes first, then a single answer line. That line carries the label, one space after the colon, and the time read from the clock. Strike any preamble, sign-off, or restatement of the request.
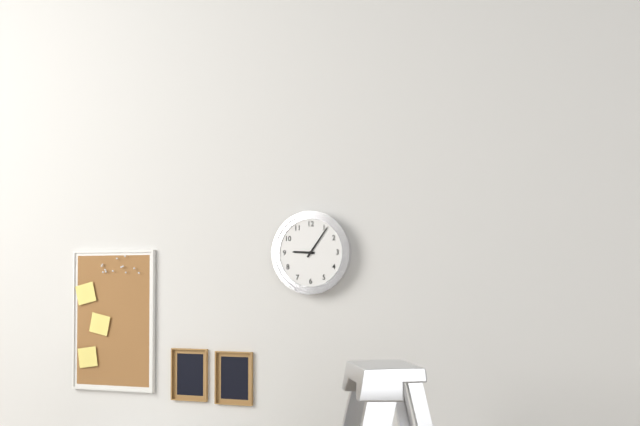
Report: 9:06
